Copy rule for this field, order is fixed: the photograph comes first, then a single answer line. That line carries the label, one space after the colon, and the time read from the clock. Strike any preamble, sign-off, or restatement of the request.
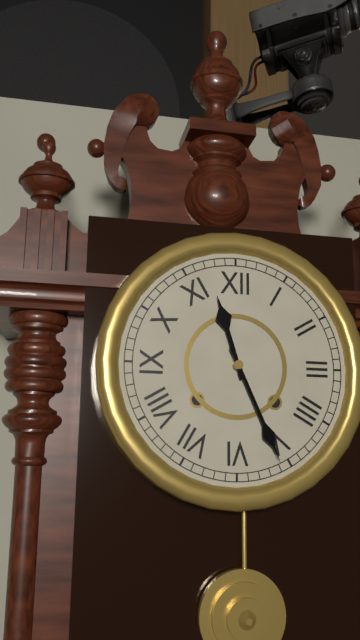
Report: 11:26
